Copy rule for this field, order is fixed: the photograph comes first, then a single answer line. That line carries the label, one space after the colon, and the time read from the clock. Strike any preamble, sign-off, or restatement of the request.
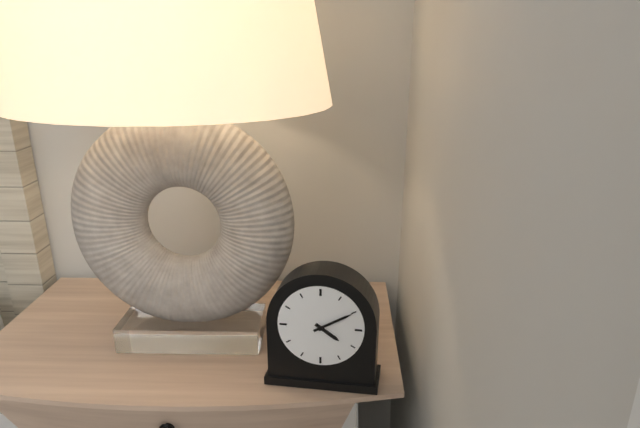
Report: 4:10
